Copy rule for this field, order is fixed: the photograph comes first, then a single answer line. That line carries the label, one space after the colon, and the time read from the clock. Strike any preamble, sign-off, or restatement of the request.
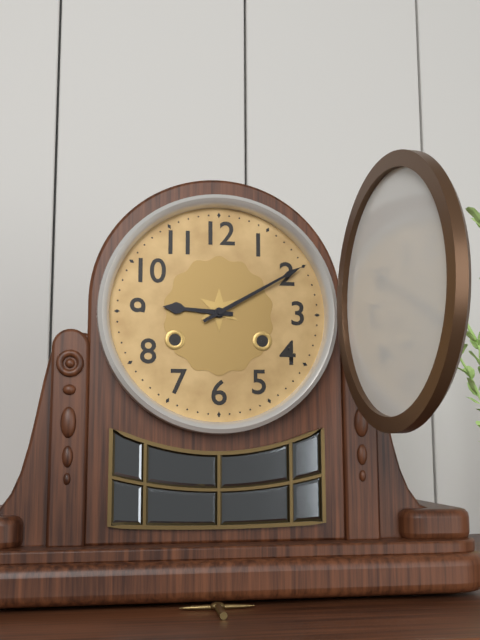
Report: 9:10
